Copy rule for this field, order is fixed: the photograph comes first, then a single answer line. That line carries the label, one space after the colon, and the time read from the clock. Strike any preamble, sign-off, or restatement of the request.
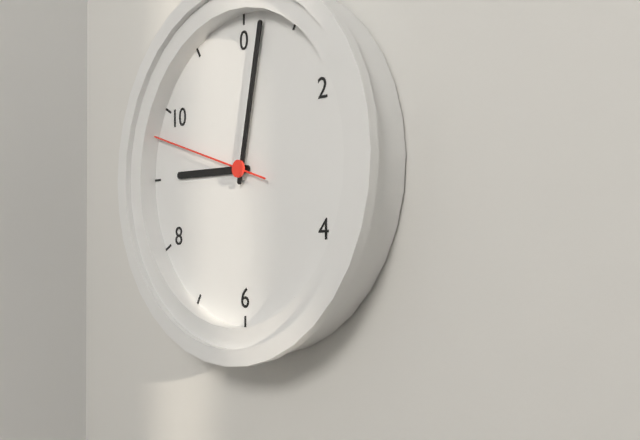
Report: 9:02:48
